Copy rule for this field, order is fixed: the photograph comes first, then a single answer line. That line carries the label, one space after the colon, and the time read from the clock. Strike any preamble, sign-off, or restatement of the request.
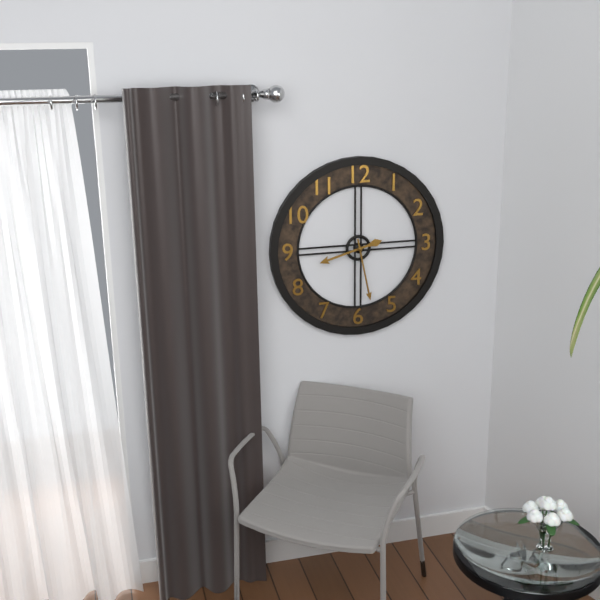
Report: 8:28
